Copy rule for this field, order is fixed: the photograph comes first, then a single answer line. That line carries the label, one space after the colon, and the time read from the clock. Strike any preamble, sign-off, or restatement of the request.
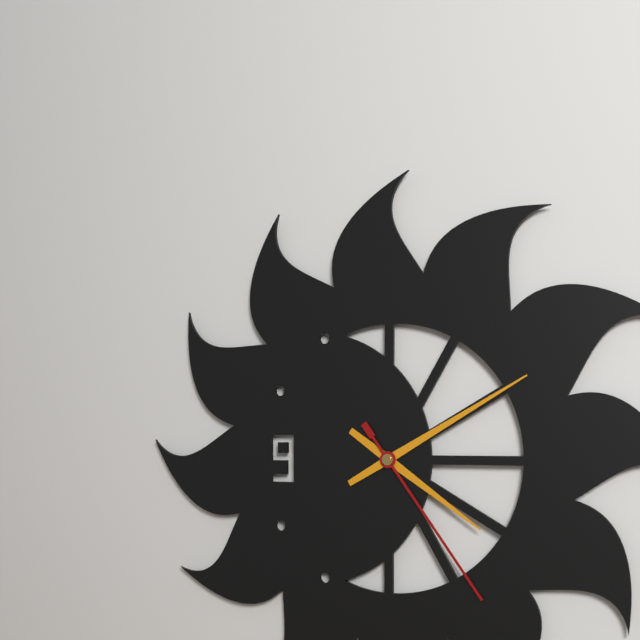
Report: 4:10:24
